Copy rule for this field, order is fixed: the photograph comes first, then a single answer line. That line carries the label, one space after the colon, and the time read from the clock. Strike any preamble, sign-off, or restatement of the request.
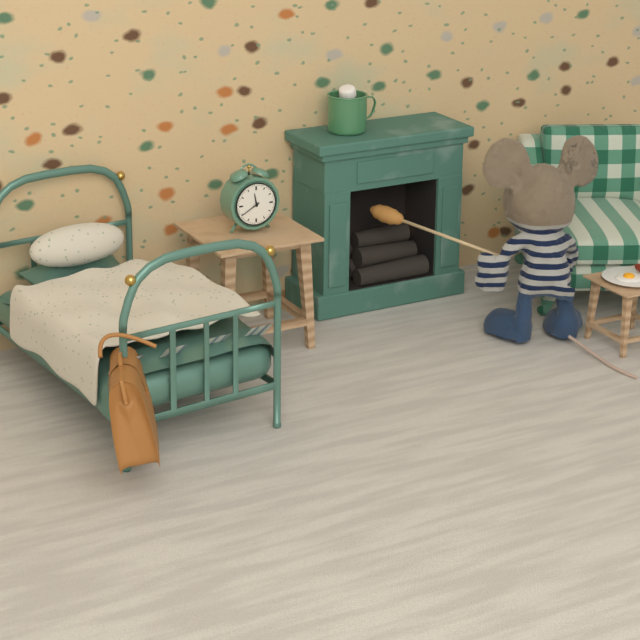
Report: 11:40
